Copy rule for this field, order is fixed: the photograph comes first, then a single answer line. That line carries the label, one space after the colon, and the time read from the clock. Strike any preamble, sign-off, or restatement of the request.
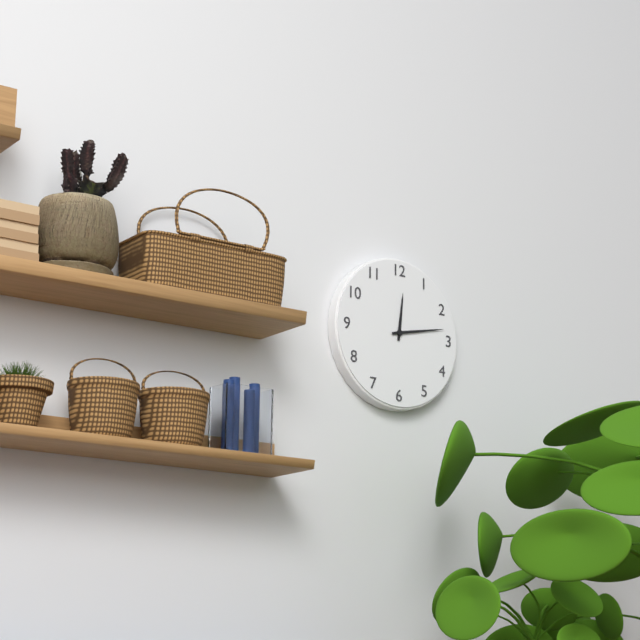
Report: 12:13
